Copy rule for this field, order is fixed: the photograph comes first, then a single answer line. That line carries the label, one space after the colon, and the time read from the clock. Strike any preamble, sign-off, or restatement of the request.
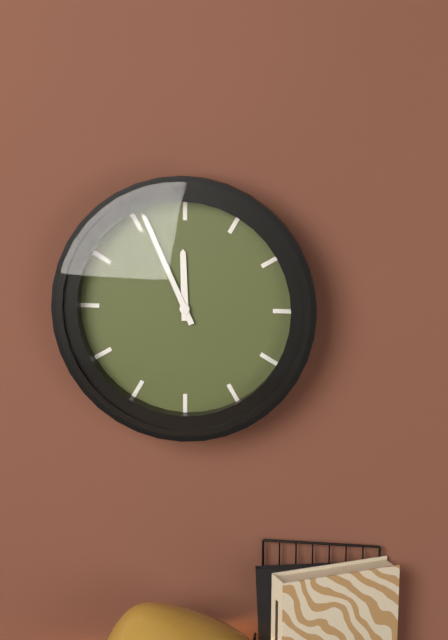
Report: 11:56
